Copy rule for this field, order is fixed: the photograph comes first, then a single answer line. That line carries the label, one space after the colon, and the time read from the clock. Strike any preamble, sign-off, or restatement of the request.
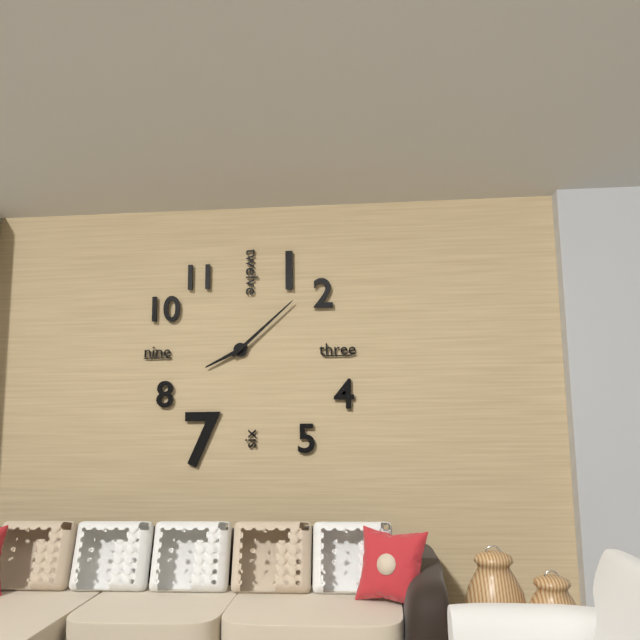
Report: 8:08
